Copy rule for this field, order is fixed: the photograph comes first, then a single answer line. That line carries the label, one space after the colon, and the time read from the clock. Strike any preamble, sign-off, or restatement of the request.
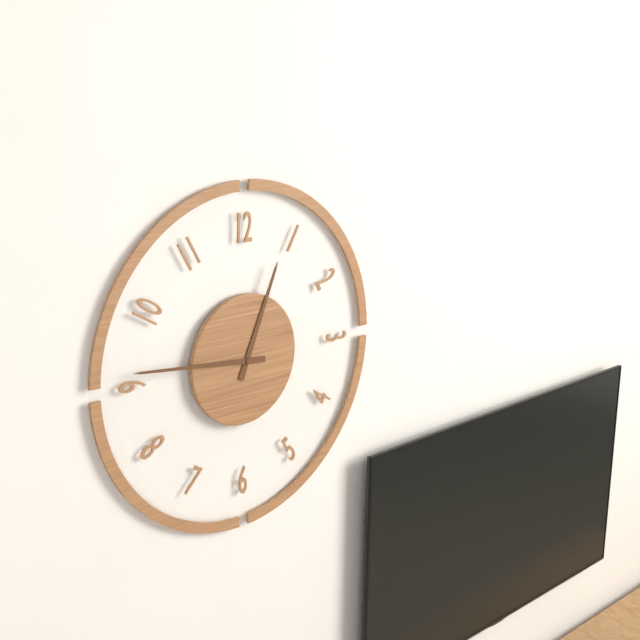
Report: 12:46
